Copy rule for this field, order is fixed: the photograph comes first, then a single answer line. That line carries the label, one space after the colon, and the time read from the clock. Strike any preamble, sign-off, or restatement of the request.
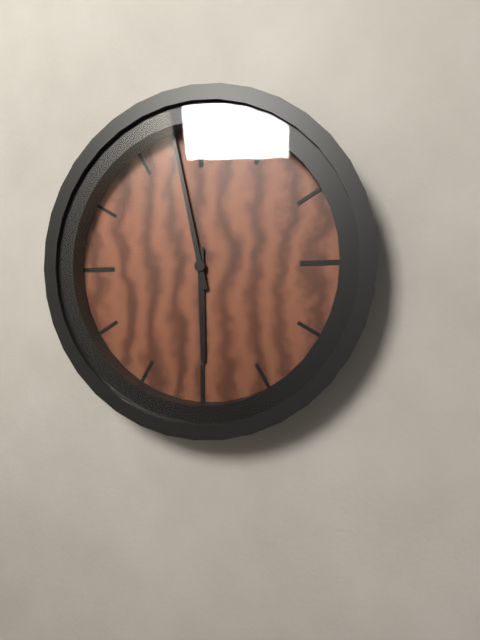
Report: 5:58
